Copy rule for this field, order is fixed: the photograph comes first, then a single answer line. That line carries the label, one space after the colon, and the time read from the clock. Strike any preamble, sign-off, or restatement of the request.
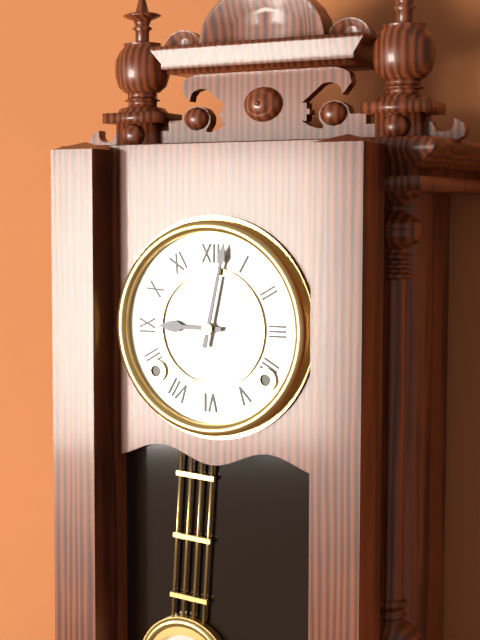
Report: 9:02
